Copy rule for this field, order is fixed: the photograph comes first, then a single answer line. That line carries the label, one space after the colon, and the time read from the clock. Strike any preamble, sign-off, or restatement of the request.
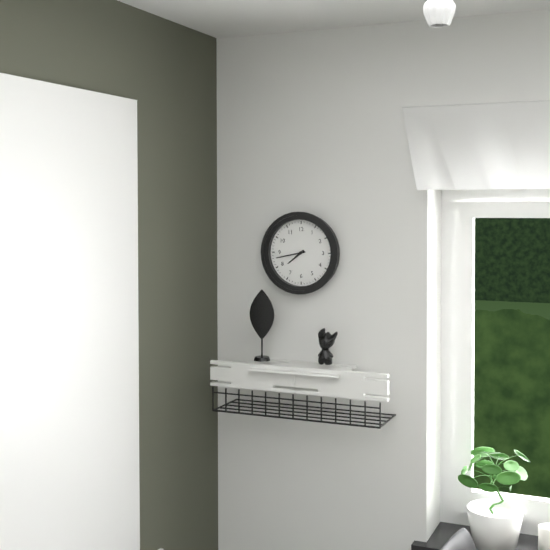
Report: 7:43
